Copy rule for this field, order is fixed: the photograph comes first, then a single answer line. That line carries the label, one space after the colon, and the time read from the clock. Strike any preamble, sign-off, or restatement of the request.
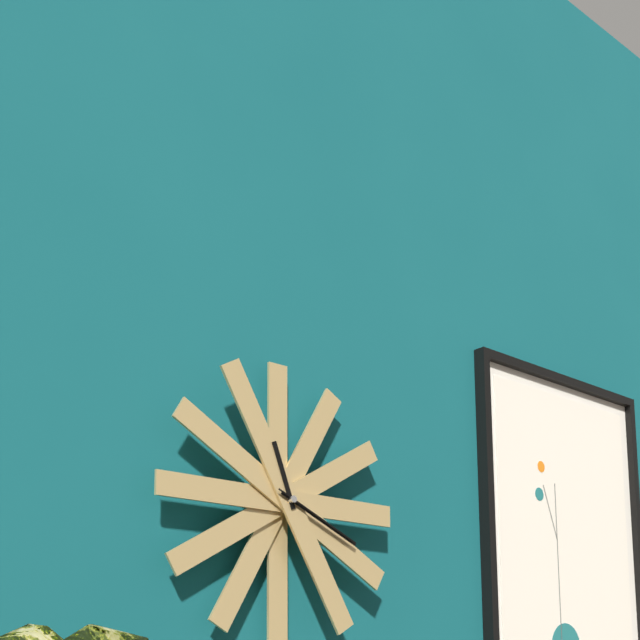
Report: 11:19:19
